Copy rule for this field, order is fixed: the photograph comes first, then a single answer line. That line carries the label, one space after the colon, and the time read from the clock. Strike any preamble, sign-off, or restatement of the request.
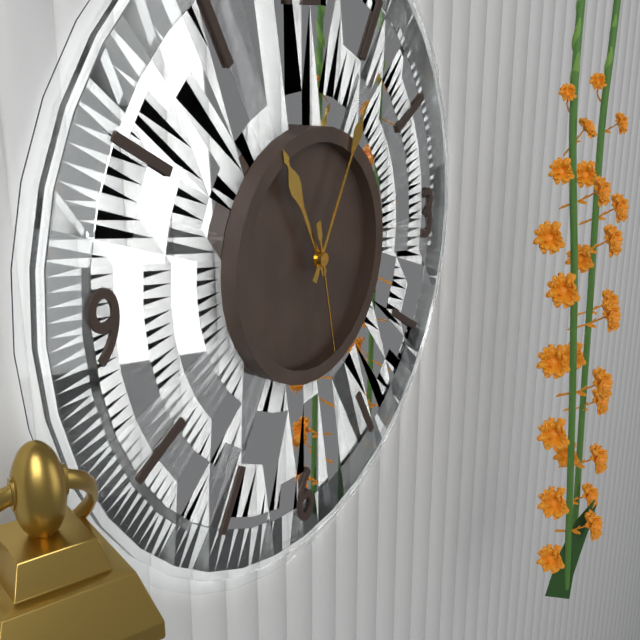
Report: 11:05:28
